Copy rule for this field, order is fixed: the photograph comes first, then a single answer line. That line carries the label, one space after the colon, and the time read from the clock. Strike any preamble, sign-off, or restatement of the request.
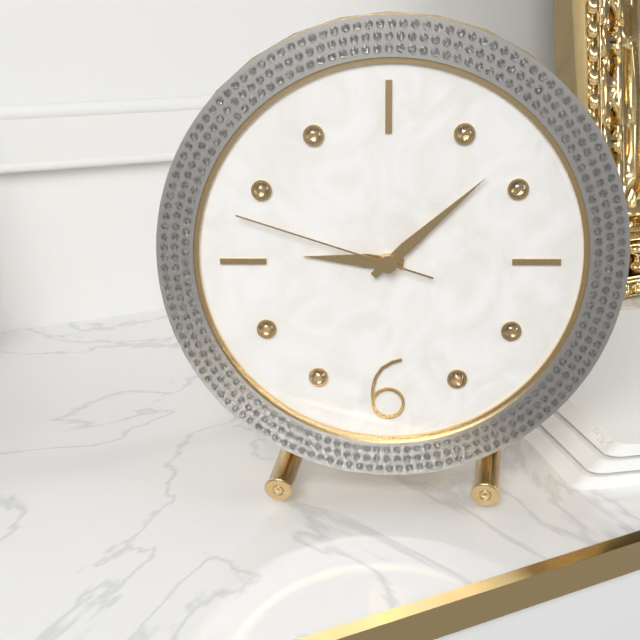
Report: 9:08:48
